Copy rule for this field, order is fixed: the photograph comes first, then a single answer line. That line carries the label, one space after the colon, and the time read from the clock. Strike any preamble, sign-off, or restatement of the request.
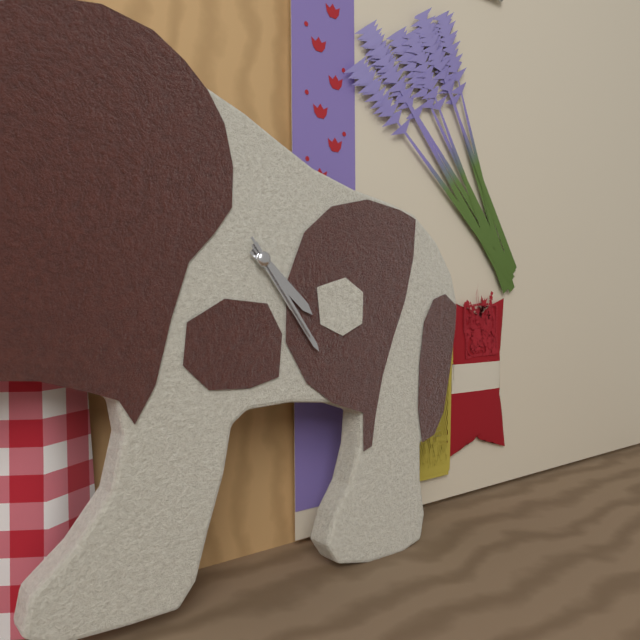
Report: 4:24:24
